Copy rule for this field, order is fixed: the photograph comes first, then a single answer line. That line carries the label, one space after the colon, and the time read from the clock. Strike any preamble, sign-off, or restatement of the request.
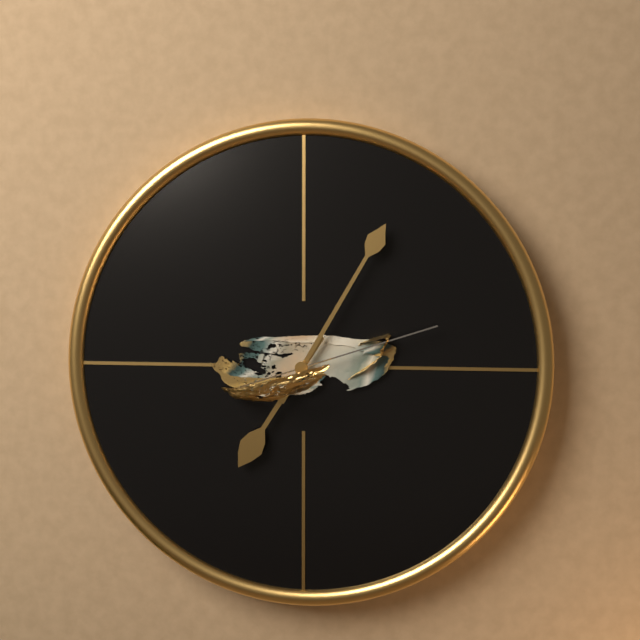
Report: 7:05:12
